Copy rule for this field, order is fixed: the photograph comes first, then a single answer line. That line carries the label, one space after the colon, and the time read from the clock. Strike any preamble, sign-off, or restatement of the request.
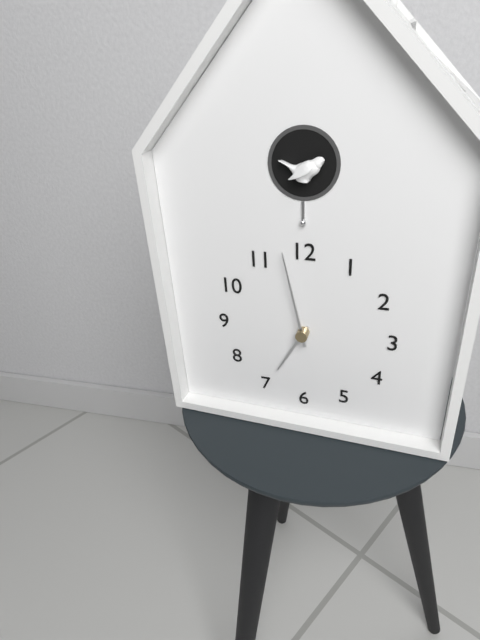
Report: 6:58
